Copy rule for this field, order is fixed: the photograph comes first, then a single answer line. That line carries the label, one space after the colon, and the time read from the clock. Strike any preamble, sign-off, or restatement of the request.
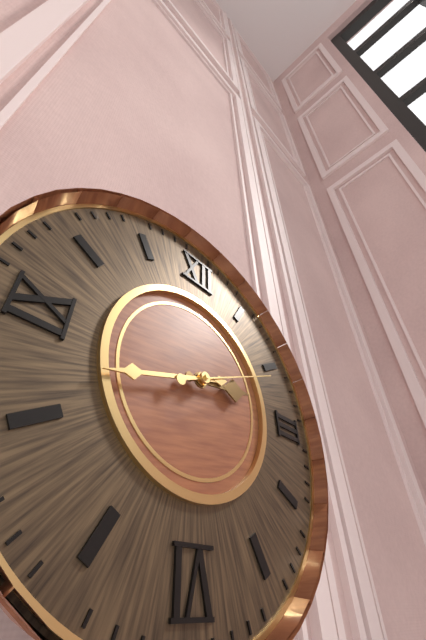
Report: 2:42:11
